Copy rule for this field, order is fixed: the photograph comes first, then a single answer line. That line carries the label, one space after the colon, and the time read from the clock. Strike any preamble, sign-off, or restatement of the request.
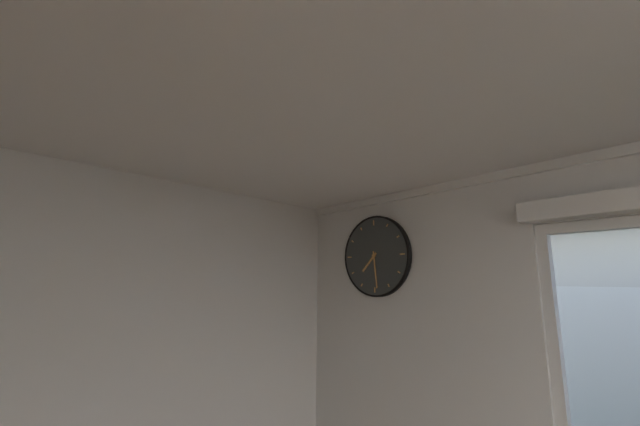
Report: 7:29
